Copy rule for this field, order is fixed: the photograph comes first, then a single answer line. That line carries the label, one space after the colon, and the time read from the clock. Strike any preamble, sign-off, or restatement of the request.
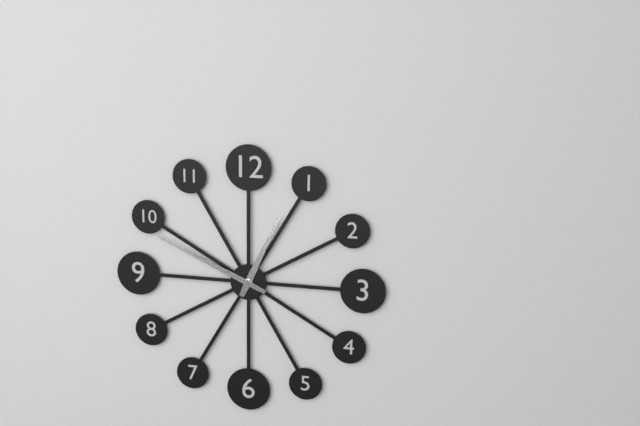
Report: 12:49
